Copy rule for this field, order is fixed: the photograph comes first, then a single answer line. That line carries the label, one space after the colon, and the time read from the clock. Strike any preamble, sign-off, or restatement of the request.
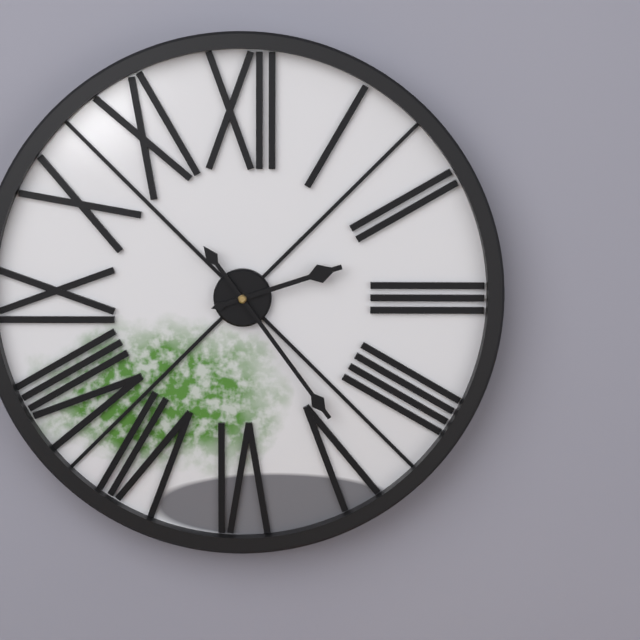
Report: 2:24
